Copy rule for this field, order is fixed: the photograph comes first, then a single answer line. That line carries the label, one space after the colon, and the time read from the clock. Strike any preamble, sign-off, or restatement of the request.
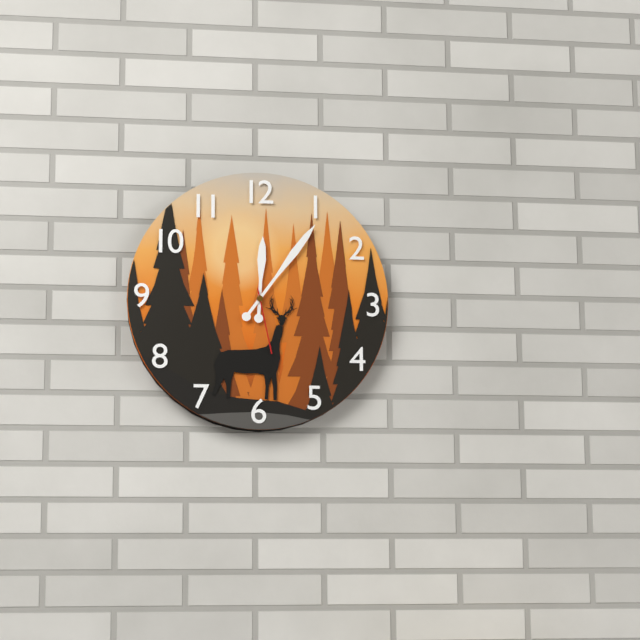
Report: 12:06:28
